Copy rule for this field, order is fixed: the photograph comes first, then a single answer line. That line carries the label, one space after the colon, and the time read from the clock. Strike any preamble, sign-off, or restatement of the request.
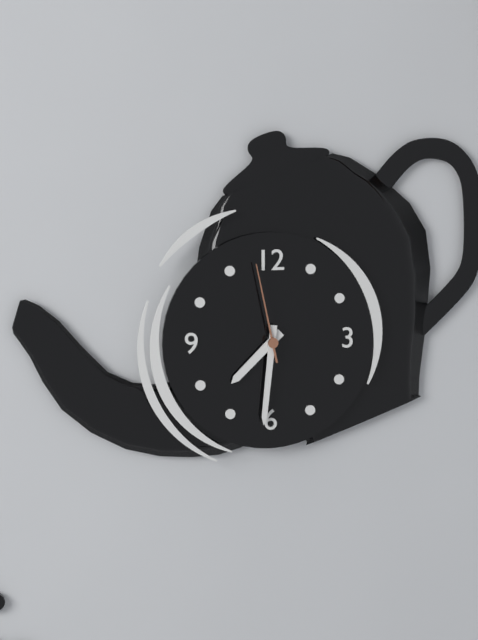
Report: 7:31:58
